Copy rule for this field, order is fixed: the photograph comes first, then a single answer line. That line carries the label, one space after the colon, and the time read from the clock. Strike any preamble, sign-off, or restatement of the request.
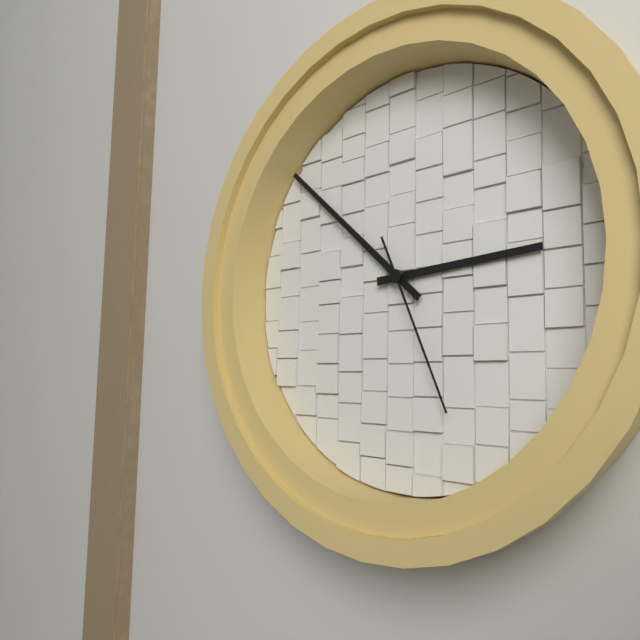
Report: 2:52:26
